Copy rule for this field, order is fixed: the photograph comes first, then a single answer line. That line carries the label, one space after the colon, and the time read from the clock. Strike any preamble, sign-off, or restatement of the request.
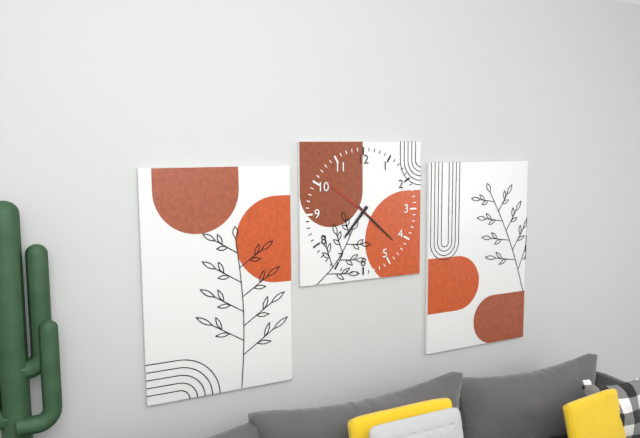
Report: 7:22:51
